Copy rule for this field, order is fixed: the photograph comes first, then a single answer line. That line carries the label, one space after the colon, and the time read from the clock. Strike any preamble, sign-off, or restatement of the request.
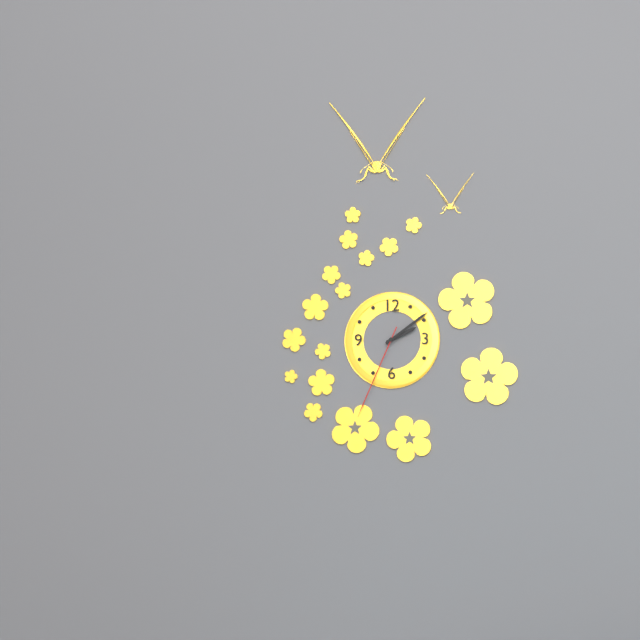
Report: 2:09:34
